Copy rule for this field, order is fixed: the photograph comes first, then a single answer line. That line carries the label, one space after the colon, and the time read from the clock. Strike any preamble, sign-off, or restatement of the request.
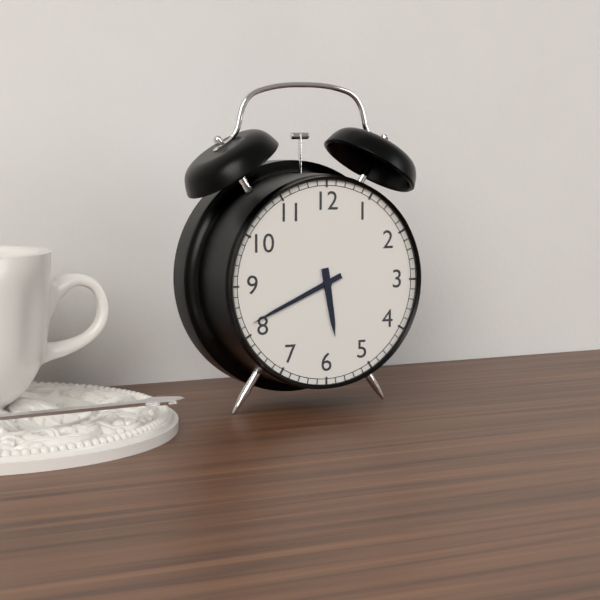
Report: 5:41
